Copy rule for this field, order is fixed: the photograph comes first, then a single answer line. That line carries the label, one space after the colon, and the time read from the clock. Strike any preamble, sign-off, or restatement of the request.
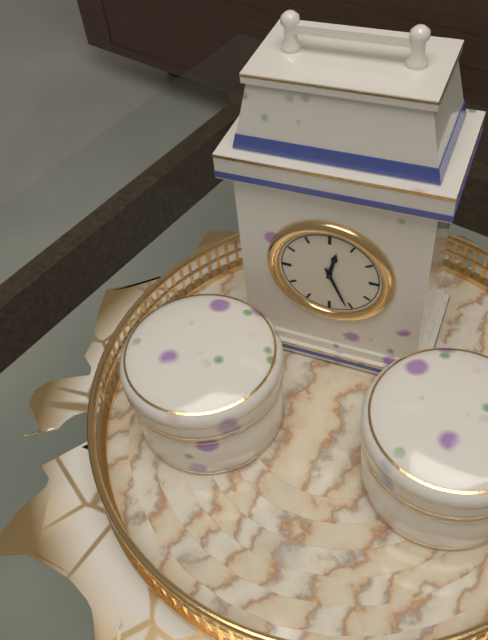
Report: 12:26
